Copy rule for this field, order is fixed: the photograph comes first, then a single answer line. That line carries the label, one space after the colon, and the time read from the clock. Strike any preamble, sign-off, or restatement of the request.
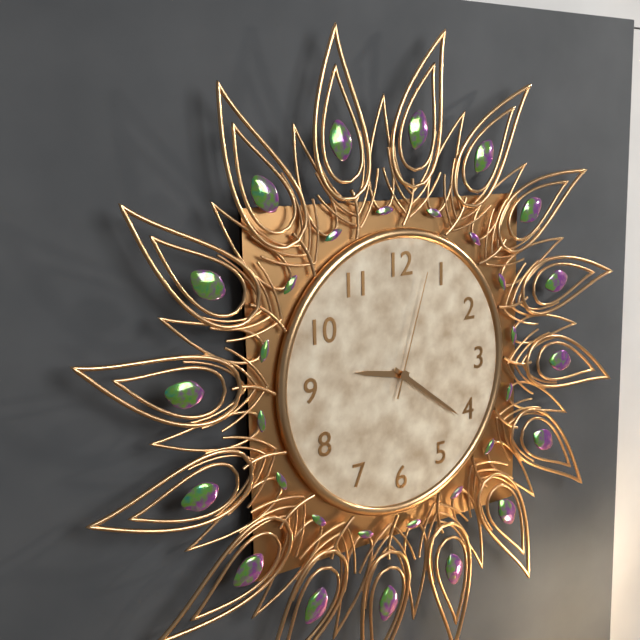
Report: 9:21:03
